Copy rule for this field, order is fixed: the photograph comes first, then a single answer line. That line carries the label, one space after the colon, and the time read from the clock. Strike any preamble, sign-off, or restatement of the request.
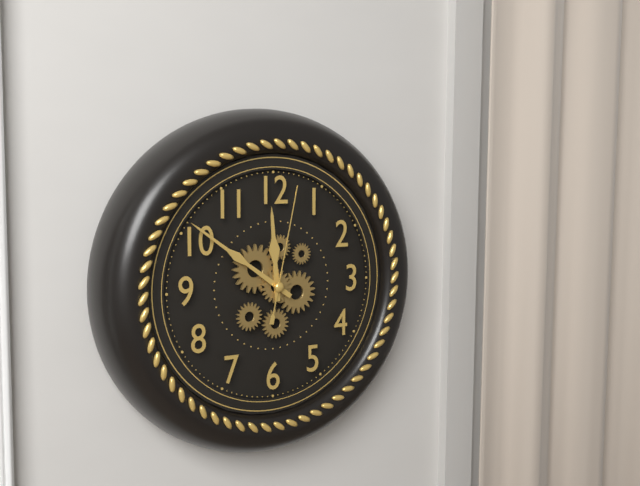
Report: 11:51:02
